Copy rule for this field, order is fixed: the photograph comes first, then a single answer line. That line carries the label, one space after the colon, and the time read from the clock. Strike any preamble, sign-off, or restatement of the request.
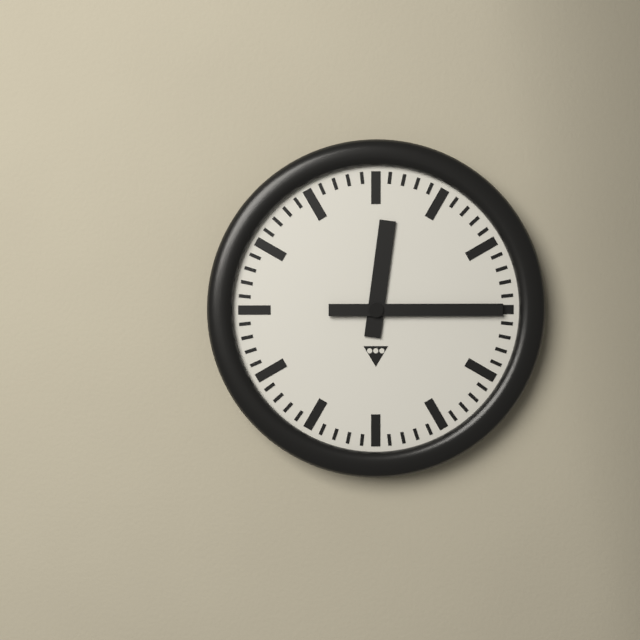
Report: 12:15
